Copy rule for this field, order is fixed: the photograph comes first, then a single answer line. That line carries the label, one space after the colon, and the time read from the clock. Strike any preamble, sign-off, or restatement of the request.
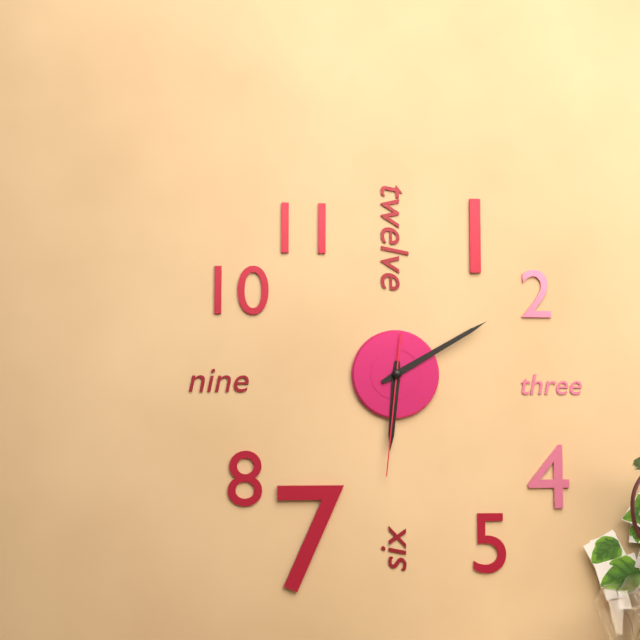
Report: 6:10:31
